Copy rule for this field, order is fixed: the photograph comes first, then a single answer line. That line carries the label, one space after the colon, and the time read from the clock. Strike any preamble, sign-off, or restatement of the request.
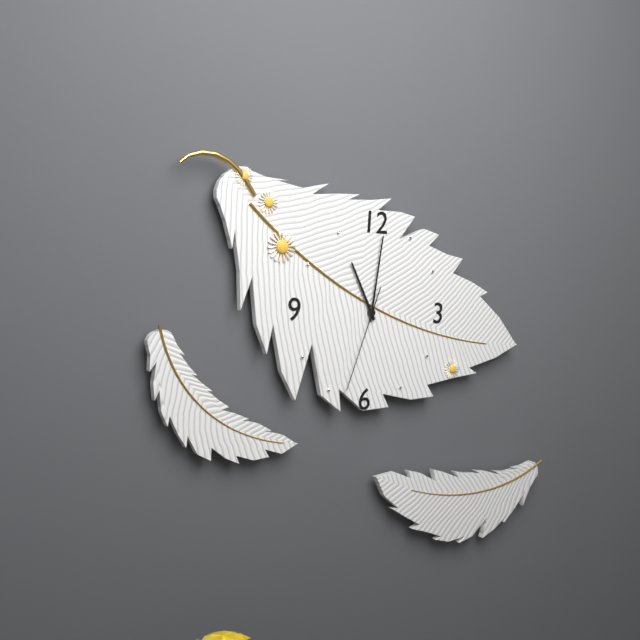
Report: 11:01:33
